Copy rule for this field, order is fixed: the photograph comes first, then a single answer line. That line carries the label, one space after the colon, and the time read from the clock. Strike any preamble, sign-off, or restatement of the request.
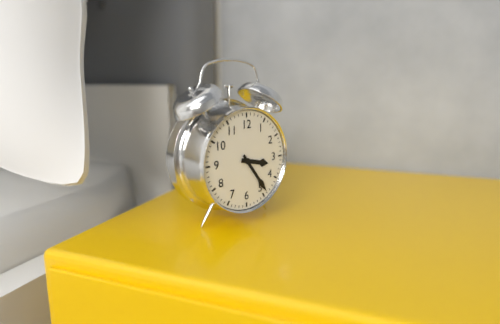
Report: 3:24
